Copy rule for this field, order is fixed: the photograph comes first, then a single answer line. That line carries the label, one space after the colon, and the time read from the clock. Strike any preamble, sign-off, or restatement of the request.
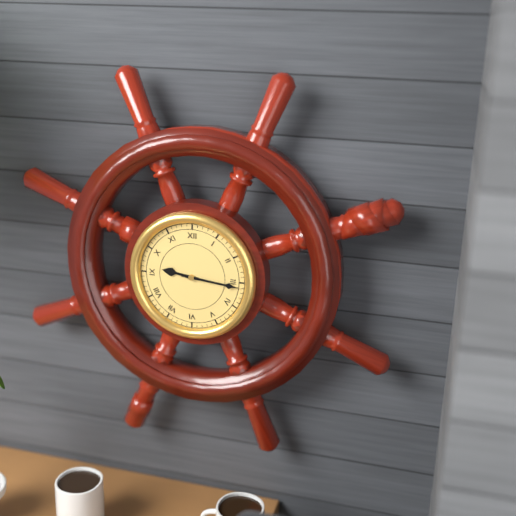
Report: 9:16
